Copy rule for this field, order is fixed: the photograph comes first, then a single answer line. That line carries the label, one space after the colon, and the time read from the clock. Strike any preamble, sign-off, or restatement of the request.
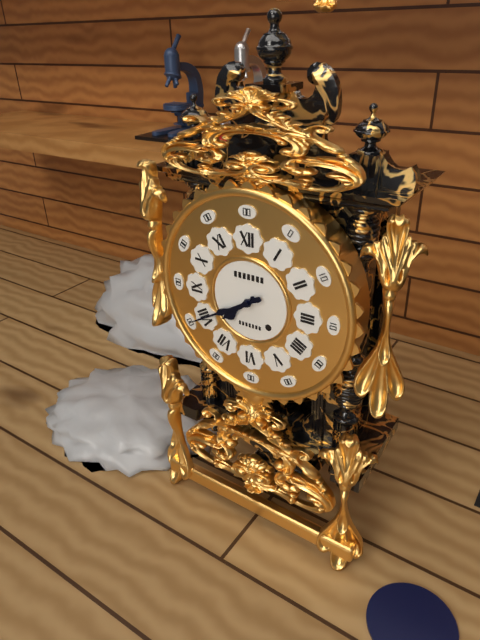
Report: 7:40
